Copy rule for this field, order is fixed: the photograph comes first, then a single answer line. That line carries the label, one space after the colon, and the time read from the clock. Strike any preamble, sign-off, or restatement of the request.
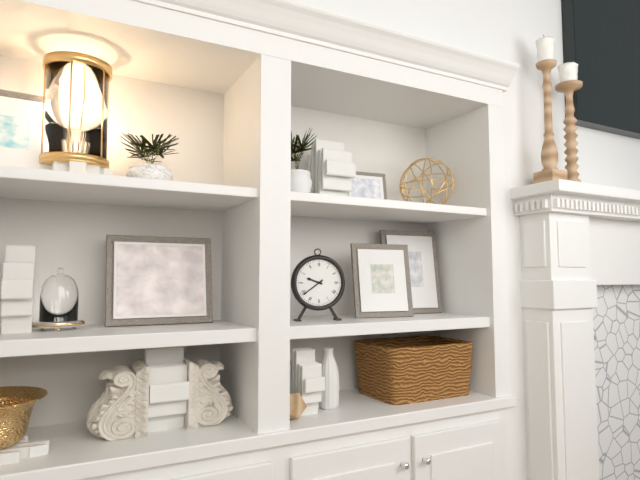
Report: 9:39
